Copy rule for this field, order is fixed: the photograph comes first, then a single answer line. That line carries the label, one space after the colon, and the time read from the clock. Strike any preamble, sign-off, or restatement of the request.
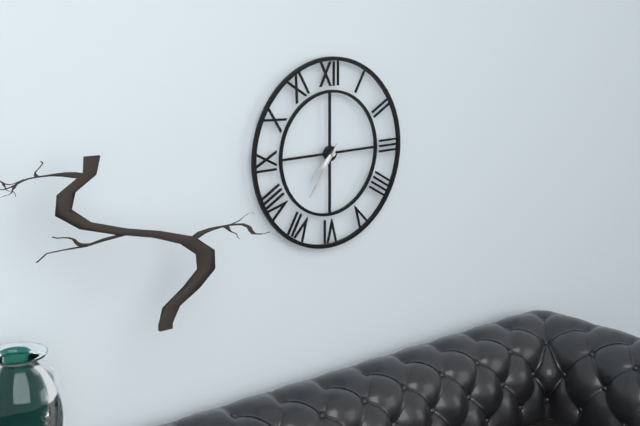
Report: 7:36
